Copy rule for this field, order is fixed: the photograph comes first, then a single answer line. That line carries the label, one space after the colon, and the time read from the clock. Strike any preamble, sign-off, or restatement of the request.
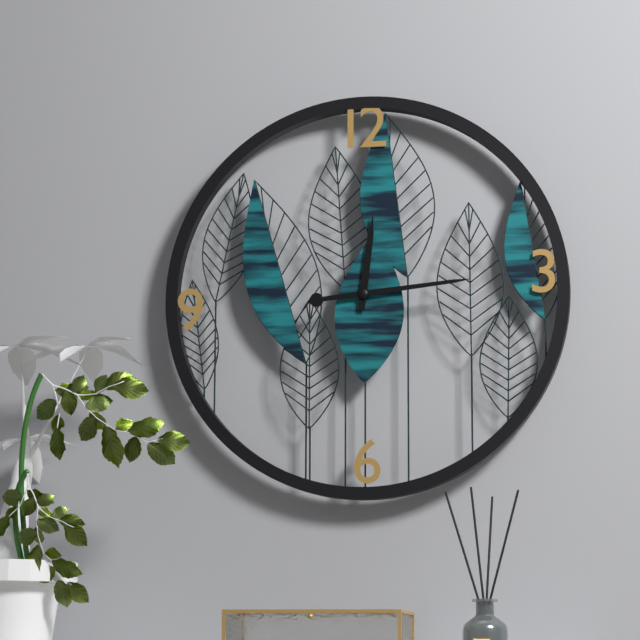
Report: 12:14
